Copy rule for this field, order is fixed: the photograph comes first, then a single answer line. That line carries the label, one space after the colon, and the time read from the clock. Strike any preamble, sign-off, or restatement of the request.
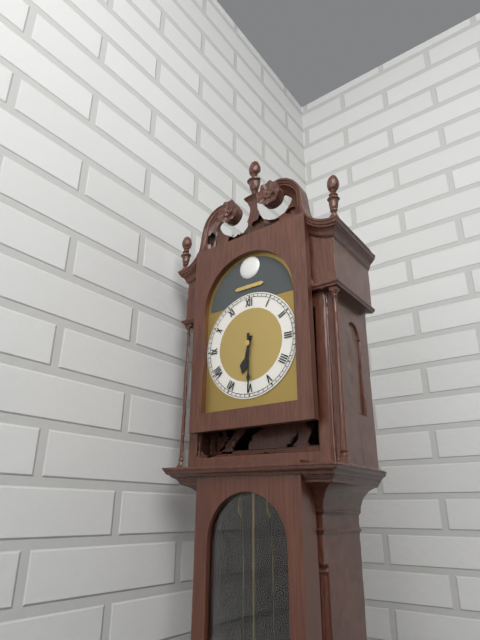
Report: 6:30
